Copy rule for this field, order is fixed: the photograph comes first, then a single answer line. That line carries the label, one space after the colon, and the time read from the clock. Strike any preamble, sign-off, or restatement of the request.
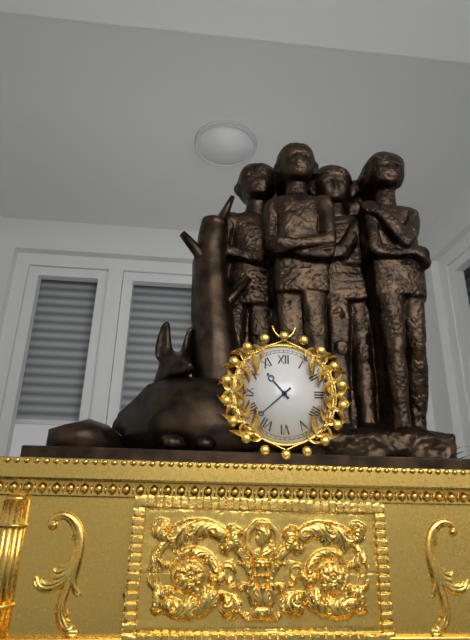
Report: 10:38
